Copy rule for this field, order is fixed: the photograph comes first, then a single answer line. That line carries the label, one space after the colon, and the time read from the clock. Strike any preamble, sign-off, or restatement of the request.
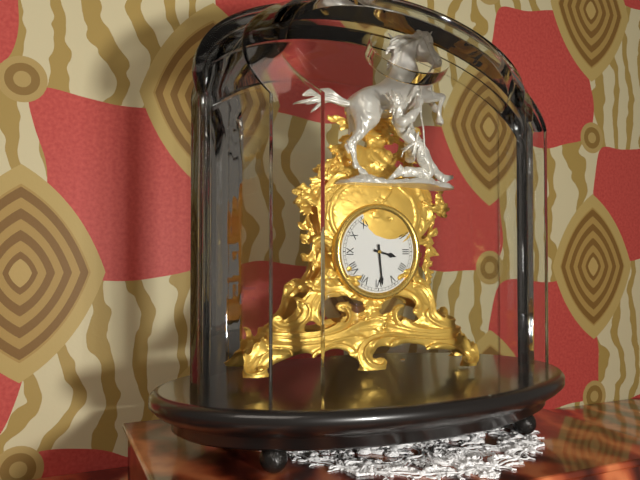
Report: 3:29
